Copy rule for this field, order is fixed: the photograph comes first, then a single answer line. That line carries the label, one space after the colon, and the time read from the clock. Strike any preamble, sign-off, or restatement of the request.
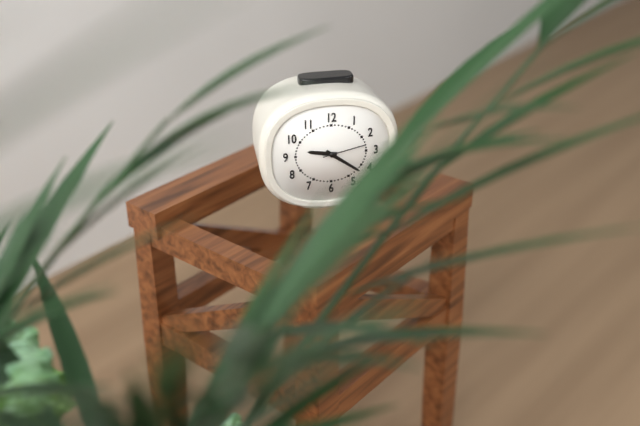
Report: 9:21
